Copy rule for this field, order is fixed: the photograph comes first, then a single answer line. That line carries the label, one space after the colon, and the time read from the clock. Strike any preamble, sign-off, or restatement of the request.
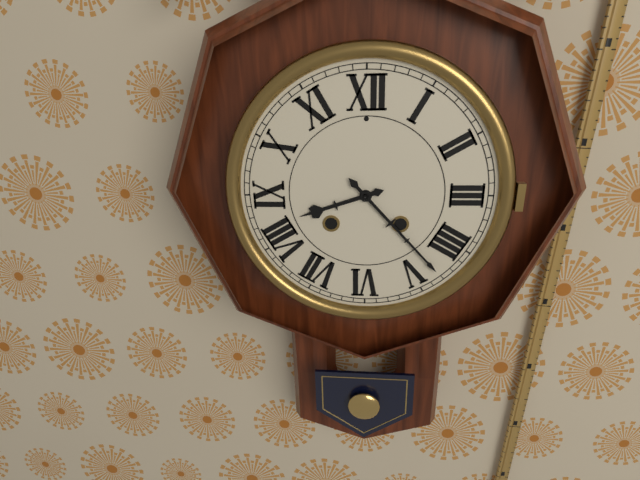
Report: 8:23
